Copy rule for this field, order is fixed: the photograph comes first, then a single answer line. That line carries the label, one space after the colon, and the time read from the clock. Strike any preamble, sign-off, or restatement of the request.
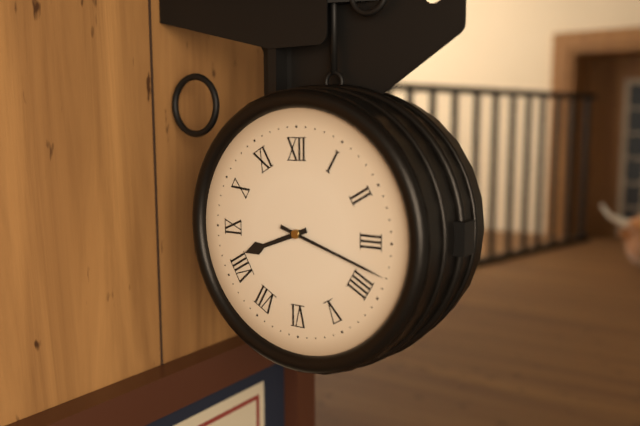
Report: 8:18
